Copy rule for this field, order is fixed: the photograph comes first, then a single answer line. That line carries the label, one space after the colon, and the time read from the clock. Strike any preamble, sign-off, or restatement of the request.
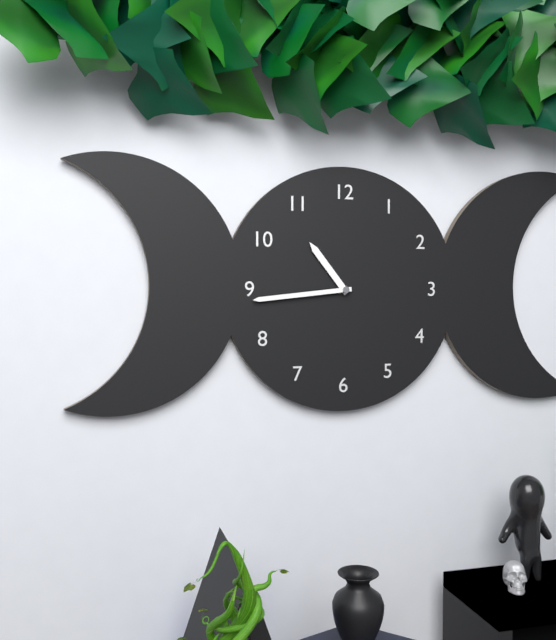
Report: 10:44
